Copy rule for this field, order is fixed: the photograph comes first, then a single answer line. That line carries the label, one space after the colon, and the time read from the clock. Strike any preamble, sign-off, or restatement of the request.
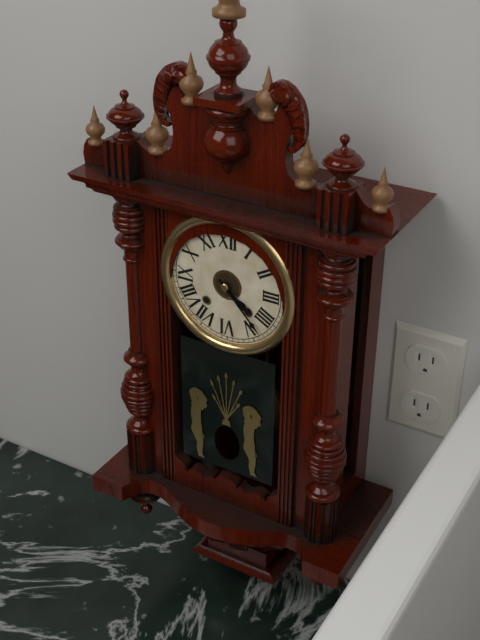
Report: 4:23
